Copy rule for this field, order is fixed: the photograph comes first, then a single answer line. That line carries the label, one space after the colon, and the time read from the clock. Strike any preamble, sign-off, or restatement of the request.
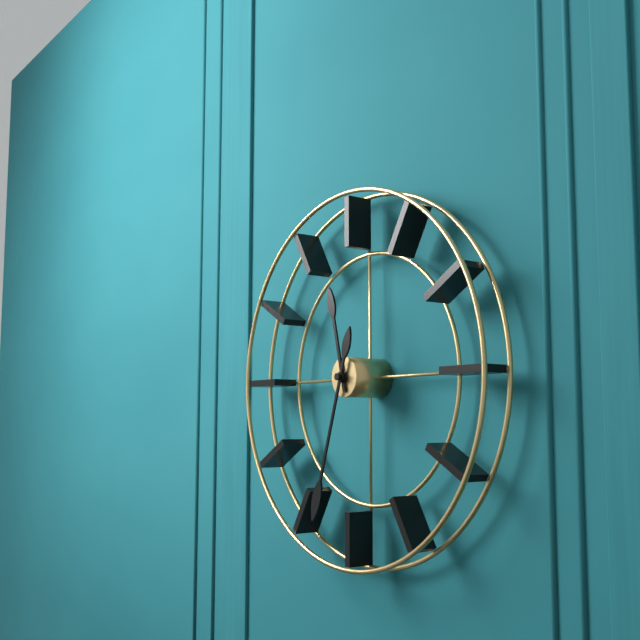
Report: 11:33
